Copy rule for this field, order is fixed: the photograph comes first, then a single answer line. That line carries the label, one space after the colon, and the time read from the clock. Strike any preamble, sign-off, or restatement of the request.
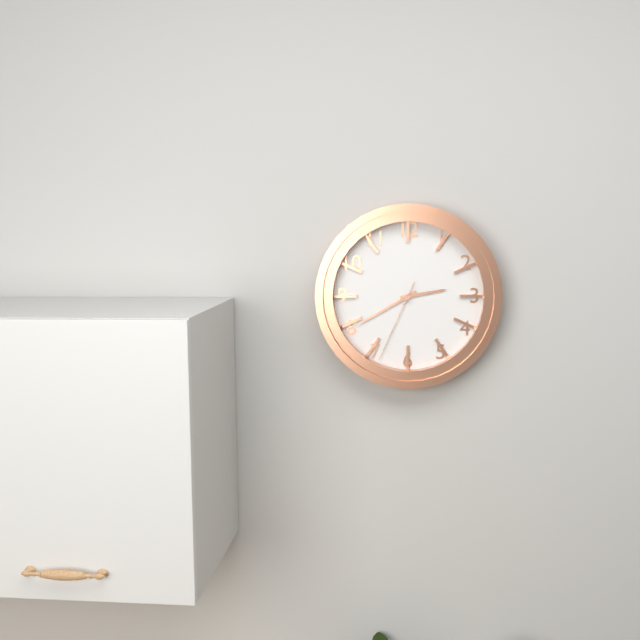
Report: 2:40:34
